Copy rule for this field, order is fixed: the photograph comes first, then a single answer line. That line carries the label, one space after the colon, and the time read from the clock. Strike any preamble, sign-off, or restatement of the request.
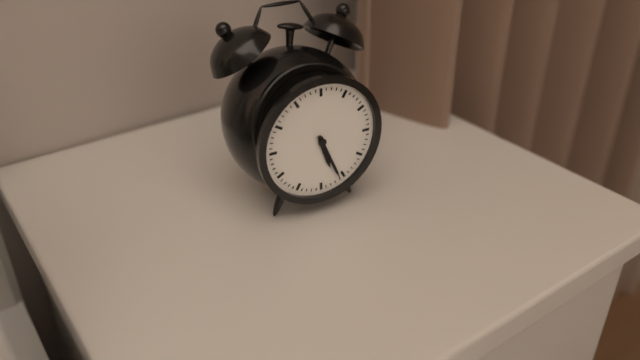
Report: 5:26
